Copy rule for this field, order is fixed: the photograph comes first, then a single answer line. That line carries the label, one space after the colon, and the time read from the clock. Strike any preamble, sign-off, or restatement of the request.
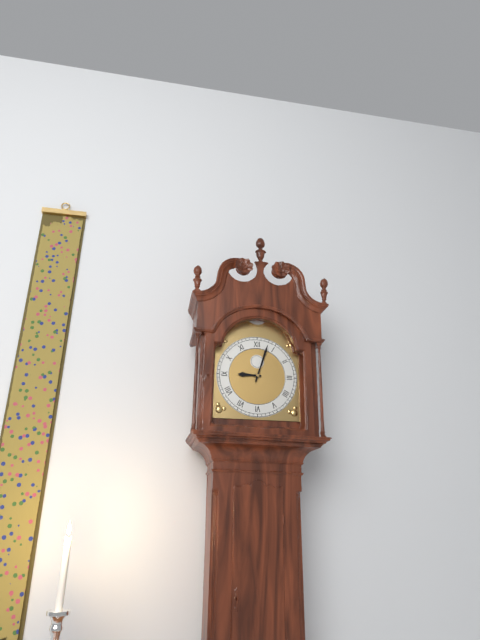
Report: 9:03
